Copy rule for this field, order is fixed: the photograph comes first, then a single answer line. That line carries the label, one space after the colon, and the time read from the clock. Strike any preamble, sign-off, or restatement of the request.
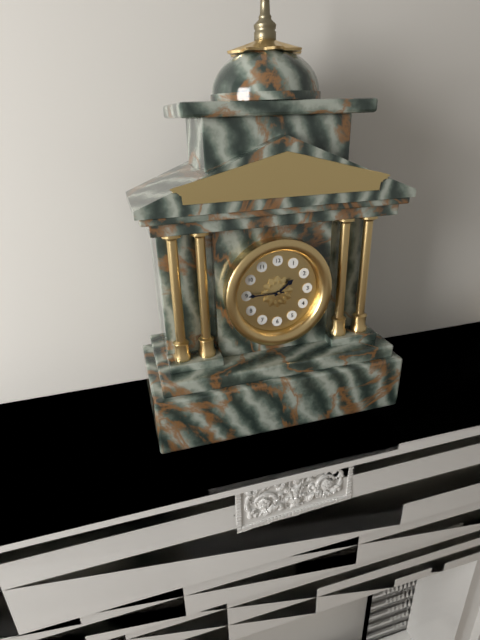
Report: 1:45
